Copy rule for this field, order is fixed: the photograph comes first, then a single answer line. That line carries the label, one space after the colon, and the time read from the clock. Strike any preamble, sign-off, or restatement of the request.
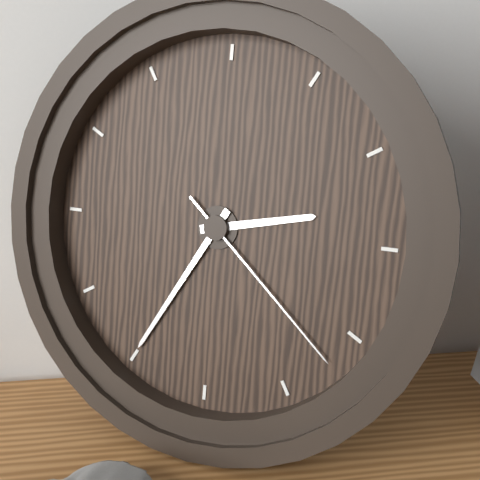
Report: 2:35:22
